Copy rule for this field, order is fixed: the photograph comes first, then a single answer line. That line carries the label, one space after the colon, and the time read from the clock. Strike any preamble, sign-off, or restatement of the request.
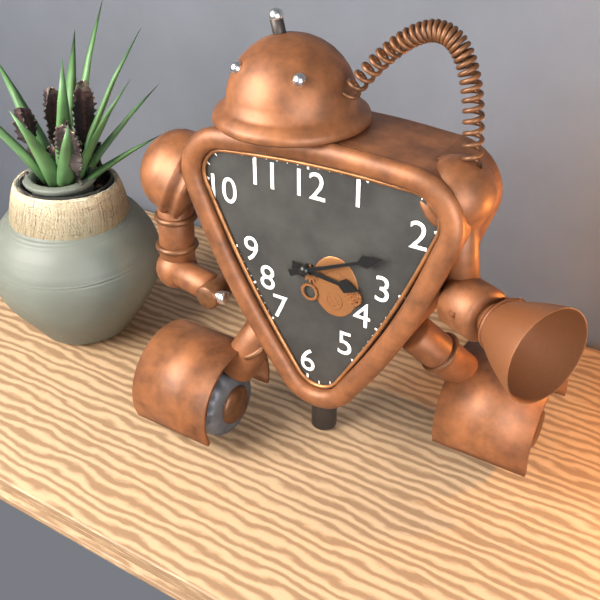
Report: 3:11
